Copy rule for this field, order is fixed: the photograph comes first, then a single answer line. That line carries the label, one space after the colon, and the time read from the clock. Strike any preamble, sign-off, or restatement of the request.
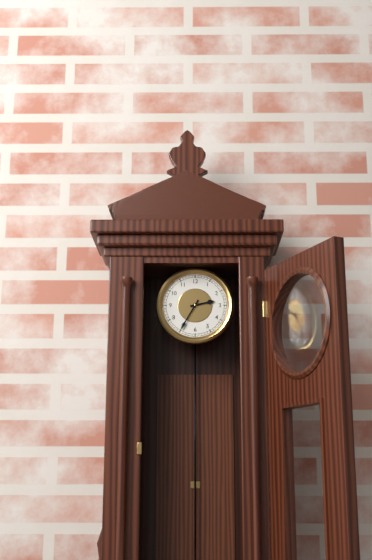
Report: 2:35
